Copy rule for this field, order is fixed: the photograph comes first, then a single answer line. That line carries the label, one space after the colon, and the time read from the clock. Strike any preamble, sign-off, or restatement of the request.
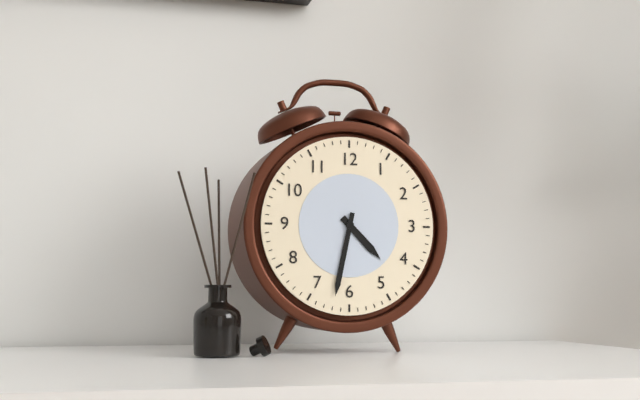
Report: 4:32
